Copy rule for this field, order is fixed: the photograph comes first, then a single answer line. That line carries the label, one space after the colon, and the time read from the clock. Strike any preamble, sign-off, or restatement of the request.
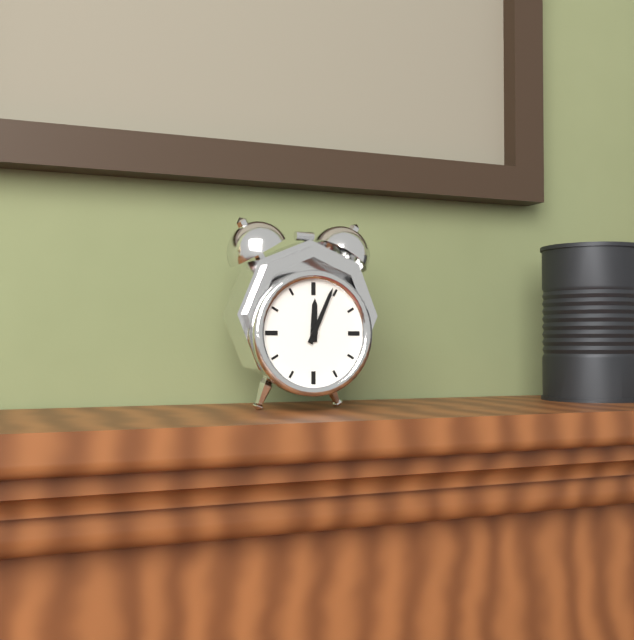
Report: 12:04
